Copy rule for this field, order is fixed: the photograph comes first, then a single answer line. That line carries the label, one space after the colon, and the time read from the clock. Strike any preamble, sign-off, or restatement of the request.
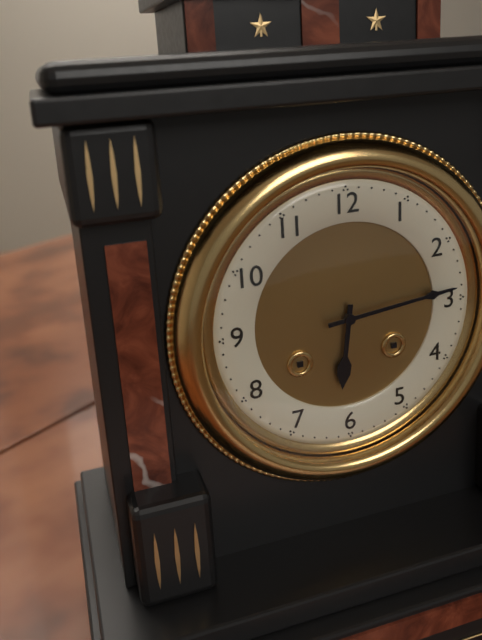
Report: 6:14
